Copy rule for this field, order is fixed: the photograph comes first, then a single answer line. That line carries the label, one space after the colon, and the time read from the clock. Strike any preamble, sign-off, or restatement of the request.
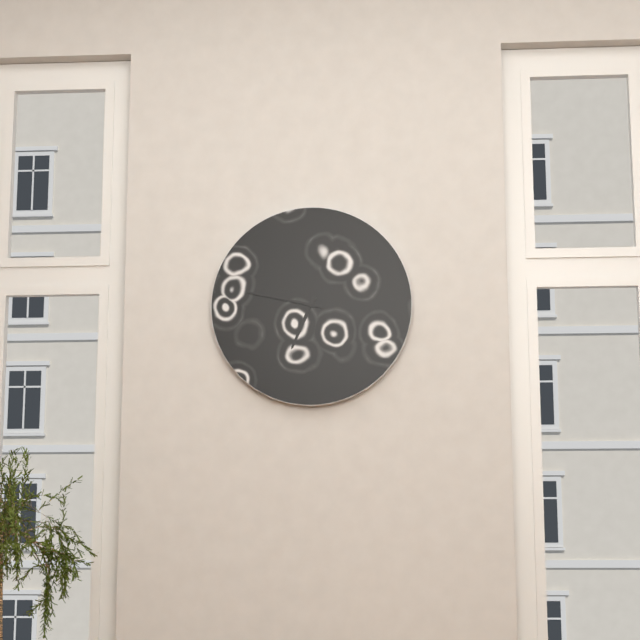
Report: 6:47
